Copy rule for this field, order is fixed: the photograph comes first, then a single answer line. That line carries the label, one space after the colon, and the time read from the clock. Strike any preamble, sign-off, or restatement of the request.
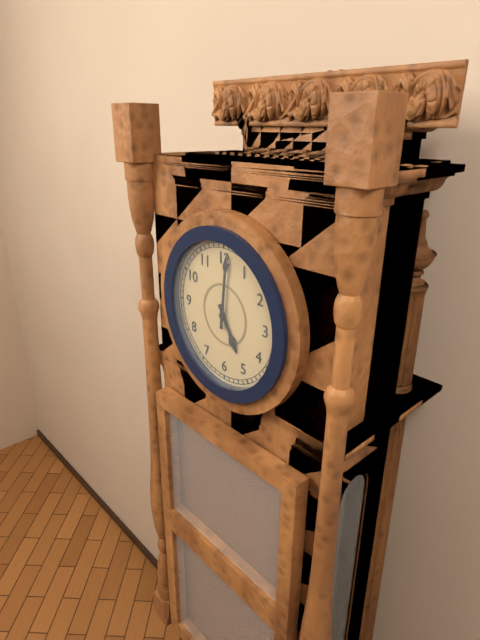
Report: 5:01
